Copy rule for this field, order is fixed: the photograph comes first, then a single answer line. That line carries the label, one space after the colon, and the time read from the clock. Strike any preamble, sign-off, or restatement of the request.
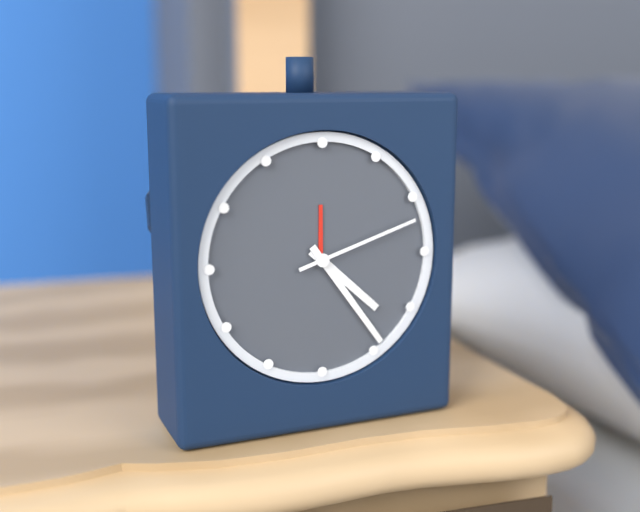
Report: 4:24:12
